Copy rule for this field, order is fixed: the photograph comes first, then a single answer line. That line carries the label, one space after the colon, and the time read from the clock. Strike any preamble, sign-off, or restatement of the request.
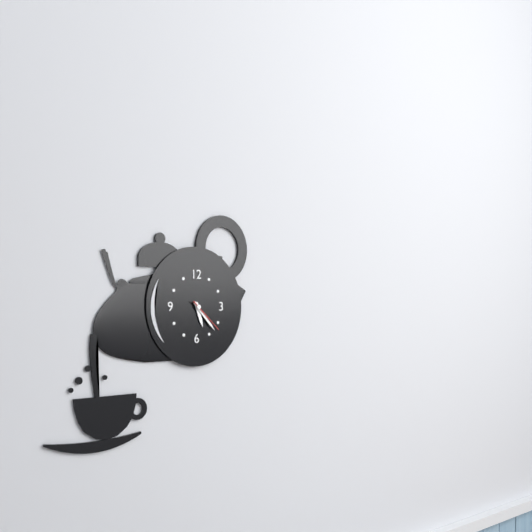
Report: 5:23
